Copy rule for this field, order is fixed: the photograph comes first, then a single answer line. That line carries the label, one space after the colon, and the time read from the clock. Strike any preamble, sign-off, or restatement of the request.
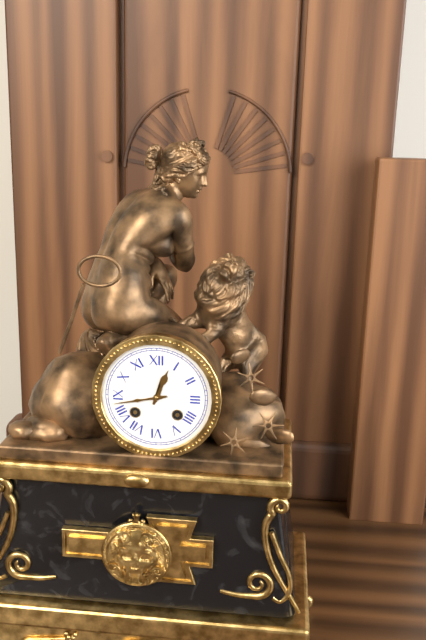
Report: 12:43
